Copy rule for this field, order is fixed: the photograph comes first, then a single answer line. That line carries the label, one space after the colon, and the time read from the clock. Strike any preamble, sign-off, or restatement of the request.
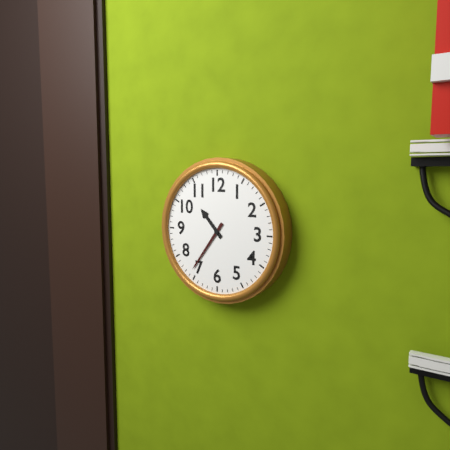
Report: 10:36
